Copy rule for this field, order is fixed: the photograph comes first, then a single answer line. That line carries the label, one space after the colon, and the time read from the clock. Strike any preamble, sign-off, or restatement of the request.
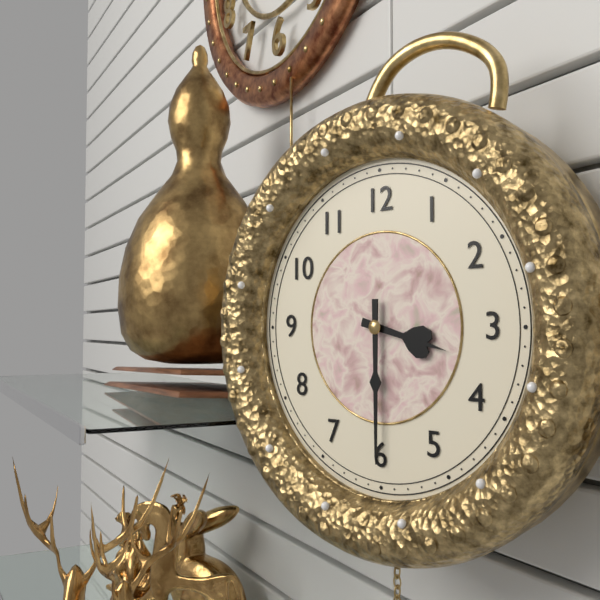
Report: 3:30
